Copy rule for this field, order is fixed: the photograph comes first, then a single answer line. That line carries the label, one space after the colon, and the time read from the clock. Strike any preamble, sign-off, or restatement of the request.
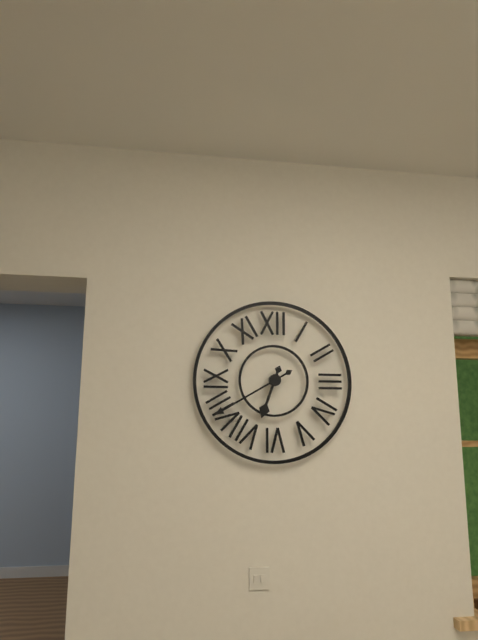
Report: 6:40
